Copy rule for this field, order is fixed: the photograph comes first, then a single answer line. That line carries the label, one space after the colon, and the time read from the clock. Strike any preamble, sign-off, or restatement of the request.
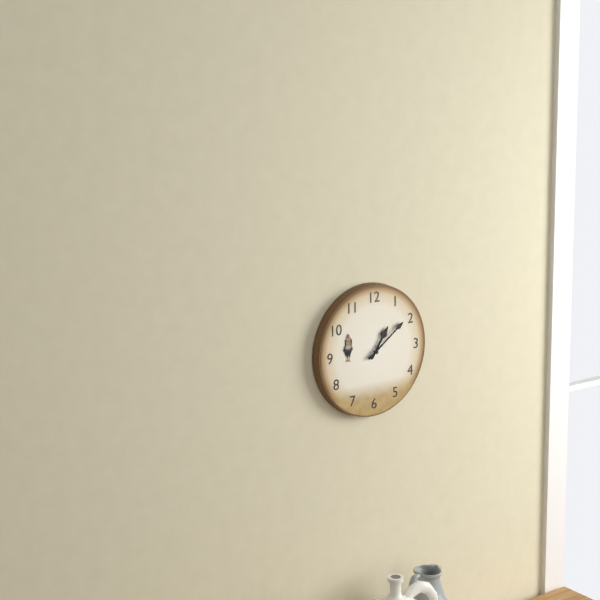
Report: 1:09
